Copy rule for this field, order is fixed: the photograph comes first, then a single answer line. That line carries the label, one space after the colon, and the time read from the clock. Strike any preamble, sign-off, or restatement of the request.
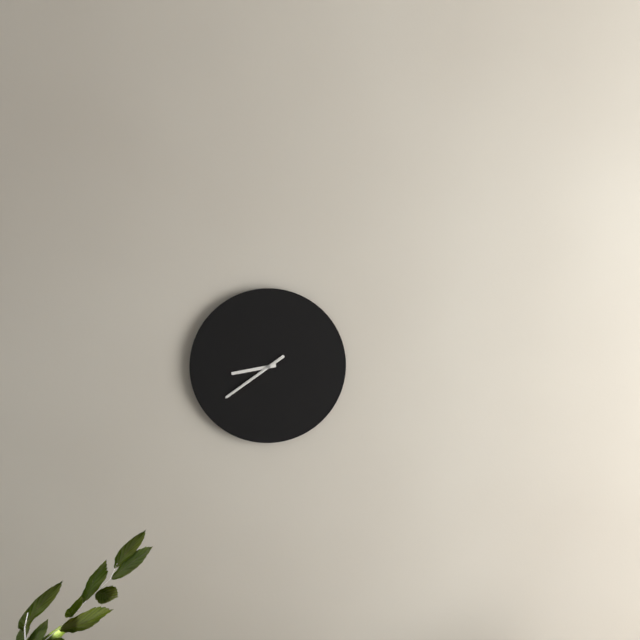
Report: 8:39:39
